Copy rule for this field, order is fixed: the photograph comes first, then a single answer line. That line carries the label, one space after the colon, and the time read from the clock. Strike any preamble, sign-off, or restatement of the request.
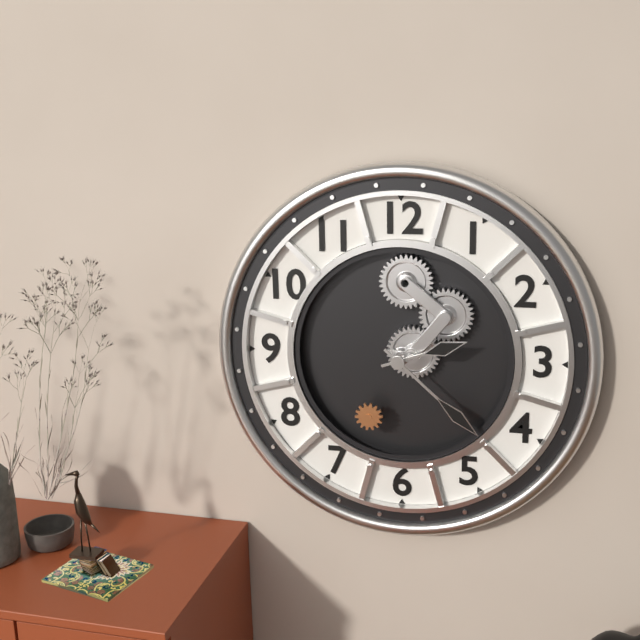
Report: 2:22
